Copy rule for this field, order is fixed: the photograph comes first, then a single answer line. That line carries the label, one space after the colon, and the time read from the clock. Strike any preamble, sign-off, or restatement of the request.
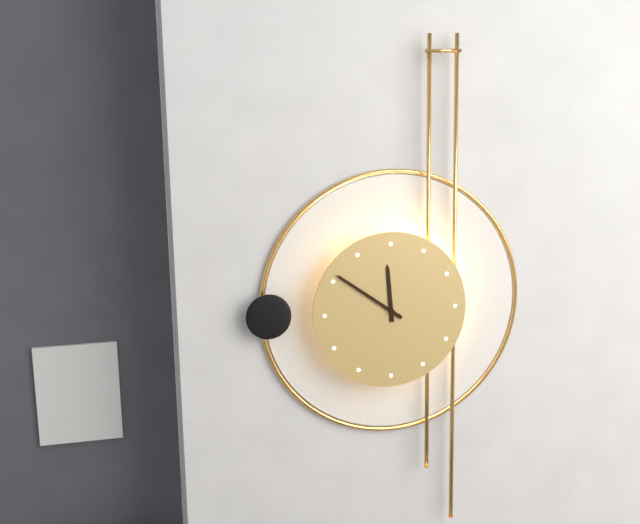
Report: 11:51
